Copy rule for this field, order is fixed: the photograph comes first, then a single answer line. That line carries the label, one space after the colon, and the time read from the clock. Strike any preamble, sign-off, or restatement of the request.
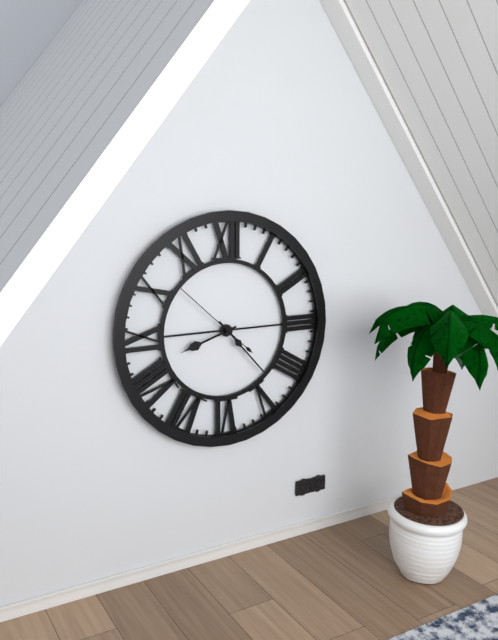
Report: 8:23:52
